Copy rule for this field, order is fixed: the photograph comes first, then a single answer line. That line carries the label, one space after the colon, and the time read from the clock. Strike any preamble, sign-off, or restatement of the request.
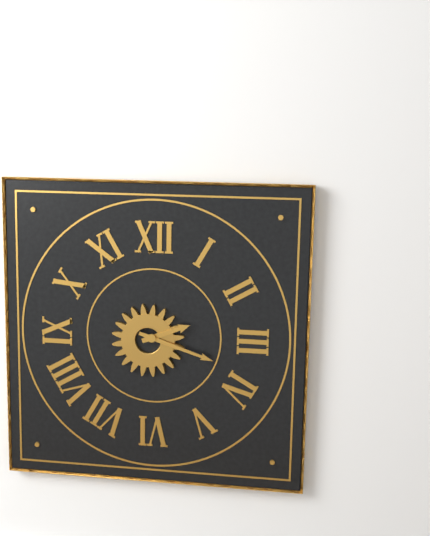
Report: 2:18
